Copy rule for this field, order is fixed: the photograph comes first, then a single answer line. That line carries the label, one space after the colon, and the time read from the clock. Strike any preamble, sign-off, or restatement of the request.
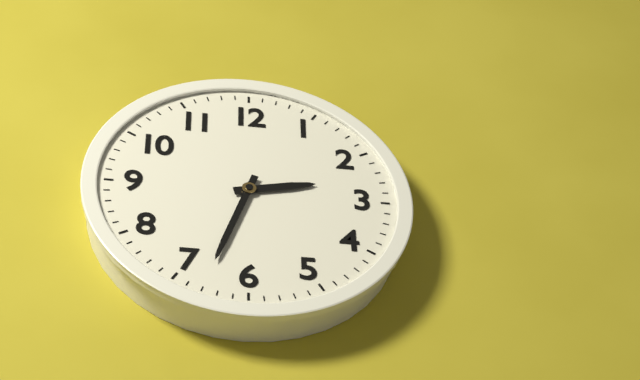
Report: 2:33
